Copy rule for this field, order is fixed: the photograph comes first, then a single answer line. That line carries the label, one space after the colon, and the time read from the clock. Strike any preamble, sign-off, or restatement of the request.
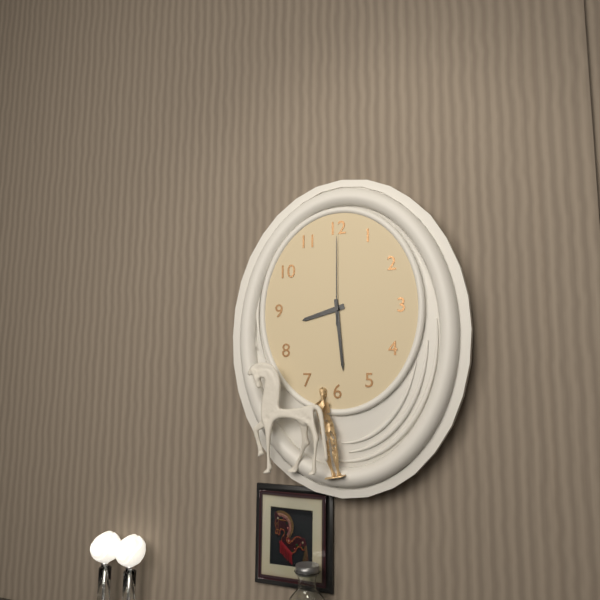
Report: 8:29:00
